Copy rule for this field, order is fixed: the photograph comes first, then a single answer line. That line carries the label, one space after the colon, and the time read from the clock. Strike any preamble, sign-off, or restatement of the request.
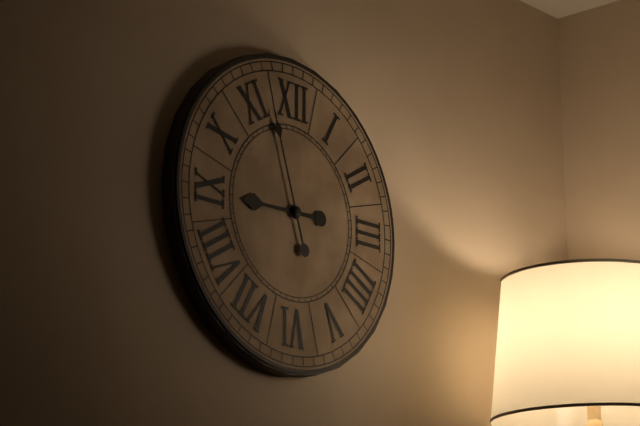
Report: 8:57
